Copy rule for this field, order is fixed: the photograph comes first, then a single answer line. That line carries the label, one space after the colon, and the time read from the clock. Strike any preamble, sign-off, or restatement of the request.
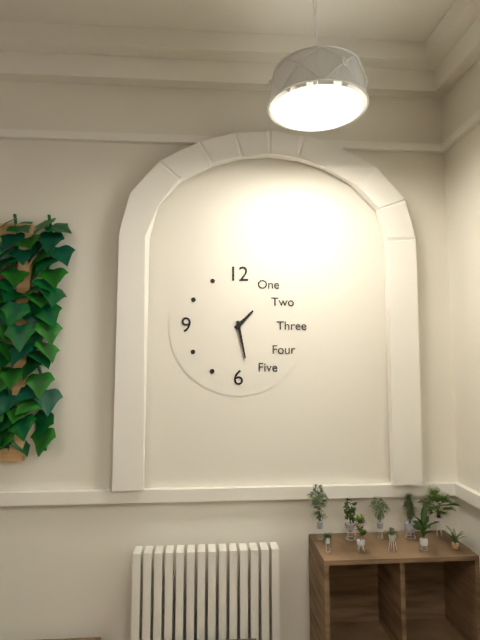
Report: 1:28
